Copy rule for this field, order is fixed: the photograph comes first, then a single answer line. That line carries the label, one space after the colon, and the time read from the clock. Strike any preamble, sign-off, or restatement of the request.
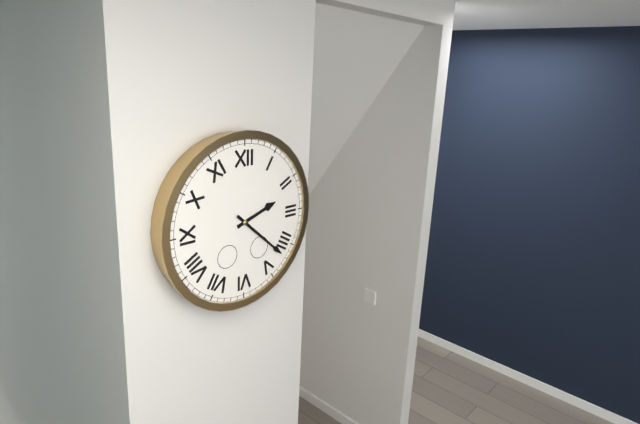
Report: 2:22
